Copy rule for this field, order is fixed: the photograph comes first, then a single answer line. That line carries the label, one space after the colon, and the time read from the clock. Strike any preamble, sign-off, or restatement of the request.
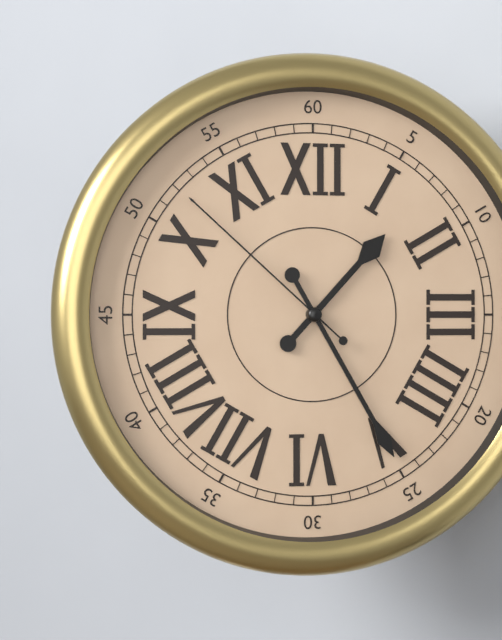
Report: 1:25:52
